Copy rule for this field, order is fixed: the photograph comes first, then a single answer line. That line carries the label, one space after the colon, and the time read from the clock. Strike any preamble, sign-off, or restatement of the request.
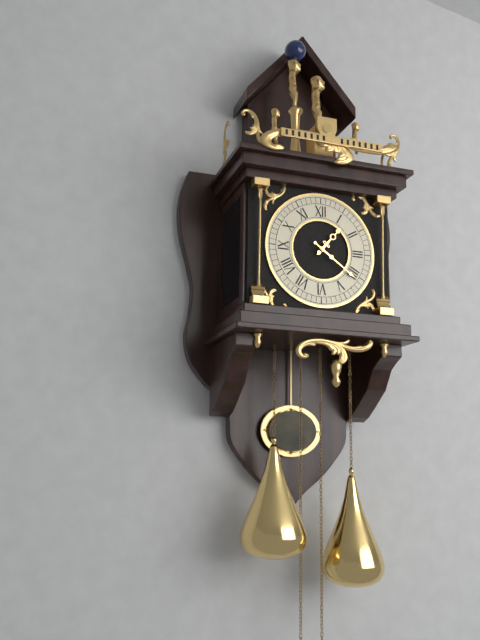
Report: 1:21
